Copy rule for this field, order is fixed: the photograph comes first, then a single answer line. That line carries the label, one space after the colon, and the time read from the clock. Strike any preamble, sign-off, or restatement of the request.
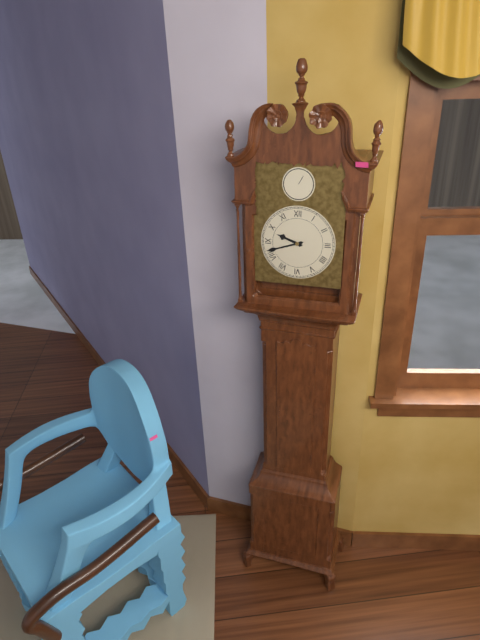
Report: 9:42
